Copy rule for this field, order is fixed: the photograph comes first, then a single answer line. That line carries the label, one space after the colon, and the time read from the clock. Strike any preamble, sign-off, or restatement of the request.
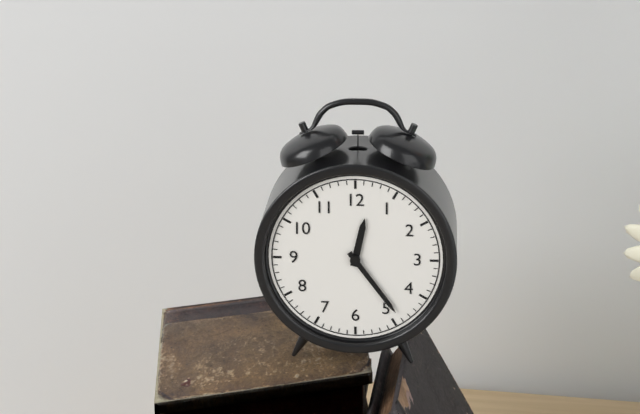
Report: 12:24
